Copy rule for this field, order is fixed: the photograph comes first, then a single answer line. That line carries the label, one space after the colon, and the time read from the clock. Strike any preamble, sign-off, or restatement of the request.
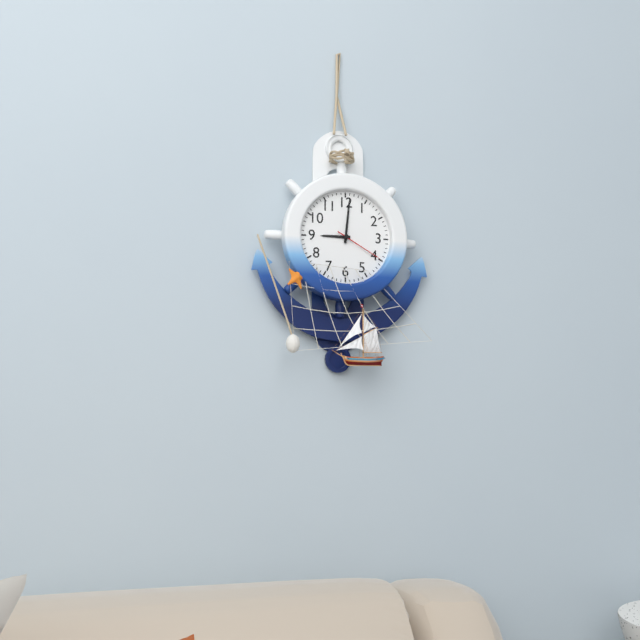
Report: 9:01:20
